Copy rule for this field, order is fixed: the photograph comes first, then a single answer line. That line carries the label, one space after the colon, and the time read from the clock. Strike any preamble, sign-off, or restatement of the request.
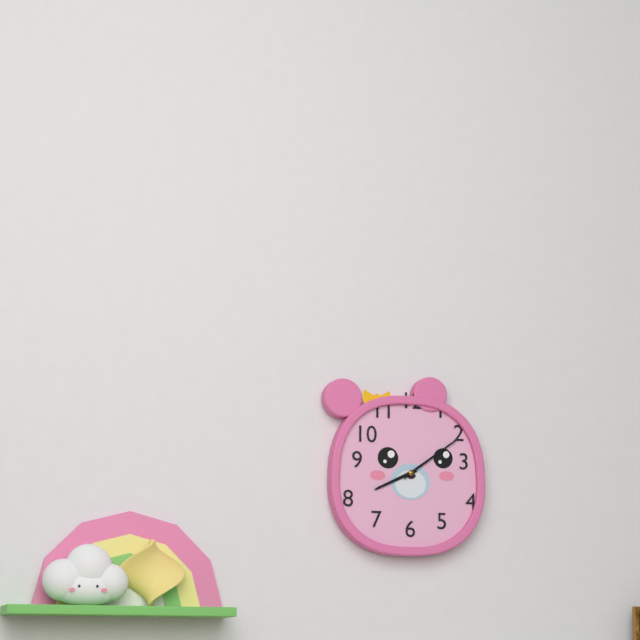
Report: 8:09
